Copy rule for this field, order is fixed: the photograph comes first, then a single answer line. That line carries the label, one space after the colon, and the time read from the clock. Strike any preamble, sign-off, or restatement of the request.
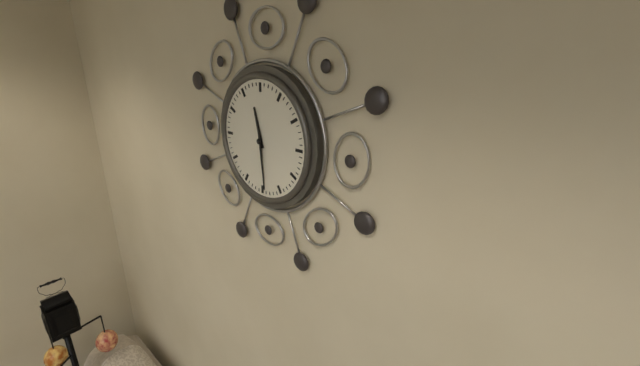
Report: 11:29
